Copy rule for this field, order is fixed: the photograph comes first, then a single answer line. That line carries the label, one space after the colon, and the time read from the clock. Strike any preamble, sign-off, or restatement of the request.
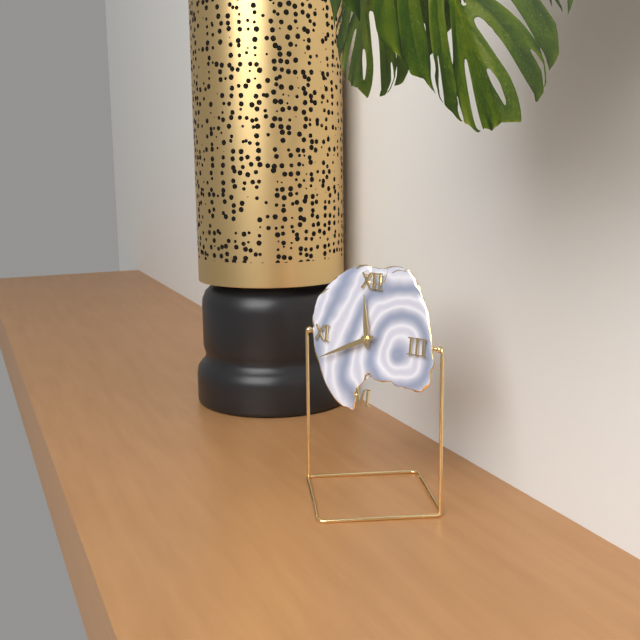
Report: 11:41
